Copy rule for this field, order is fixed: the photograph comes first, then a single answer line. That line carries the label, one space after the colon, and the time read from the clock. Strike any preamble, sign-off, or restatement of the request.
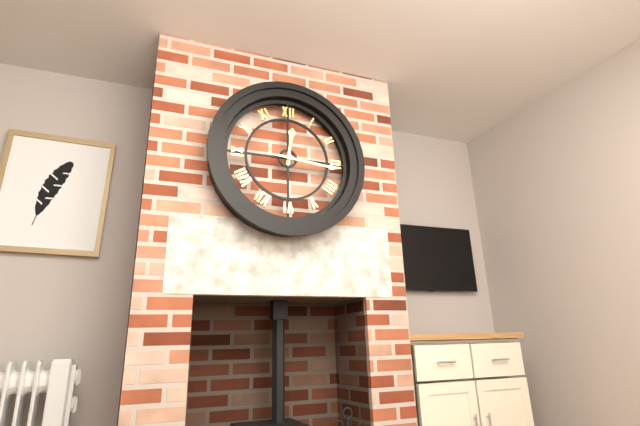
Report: 12:16
